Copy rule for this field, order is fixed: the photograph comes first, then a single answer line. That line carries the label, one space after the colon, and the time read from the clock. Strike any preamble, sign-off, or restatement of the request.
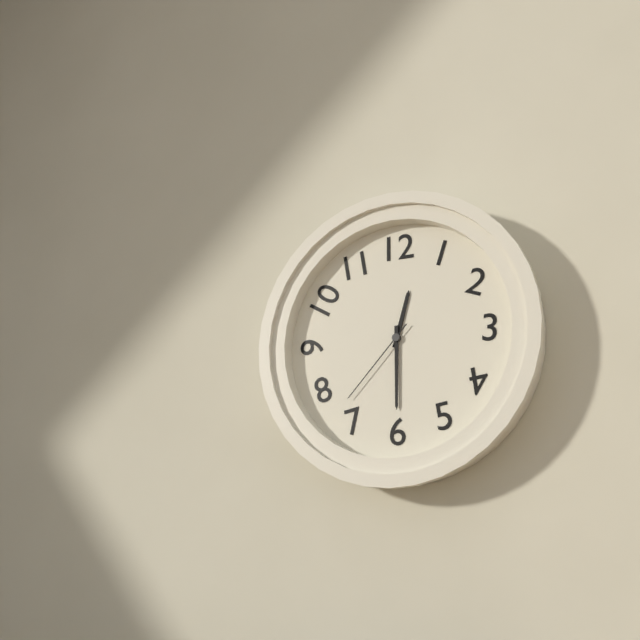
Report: 12:30:37
